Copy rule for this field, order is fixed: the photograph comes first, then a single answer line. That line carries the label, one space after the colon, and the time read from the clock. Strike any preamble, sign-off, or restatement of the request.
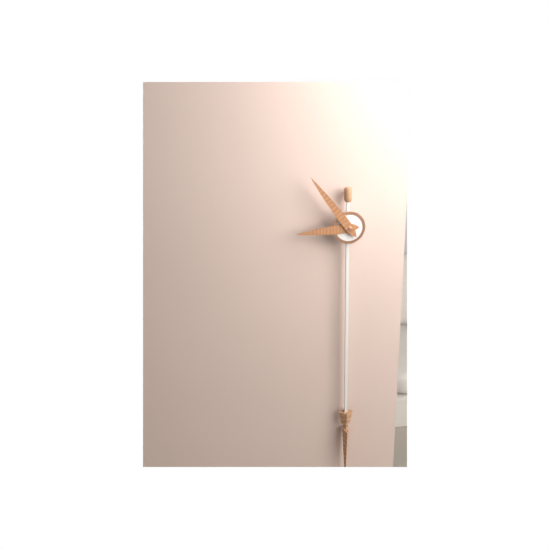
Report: 8:54
